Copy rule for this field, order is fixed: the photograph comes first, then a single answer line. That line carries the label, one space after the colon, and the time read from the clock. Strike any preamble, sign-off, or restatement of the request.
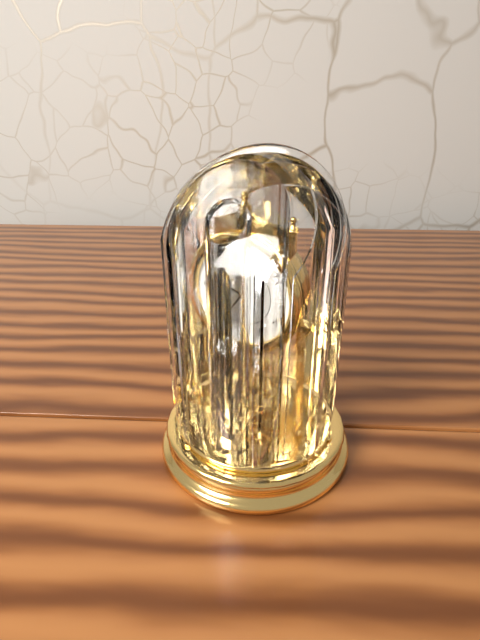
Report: 9:36
